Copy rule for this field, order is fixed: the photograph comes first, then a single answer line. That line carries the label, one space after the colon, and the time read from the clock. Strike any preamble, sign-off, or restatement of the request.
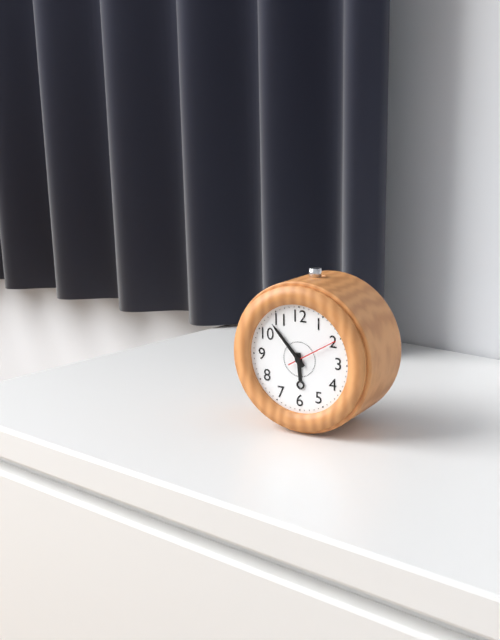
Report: 5:53
